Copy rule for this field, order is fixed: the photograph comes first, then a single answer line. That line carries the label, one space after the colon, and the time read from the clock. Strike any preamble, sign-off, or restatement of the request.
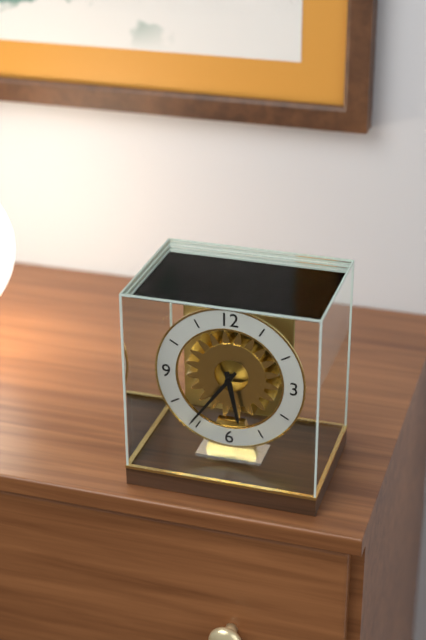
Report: 5:36
